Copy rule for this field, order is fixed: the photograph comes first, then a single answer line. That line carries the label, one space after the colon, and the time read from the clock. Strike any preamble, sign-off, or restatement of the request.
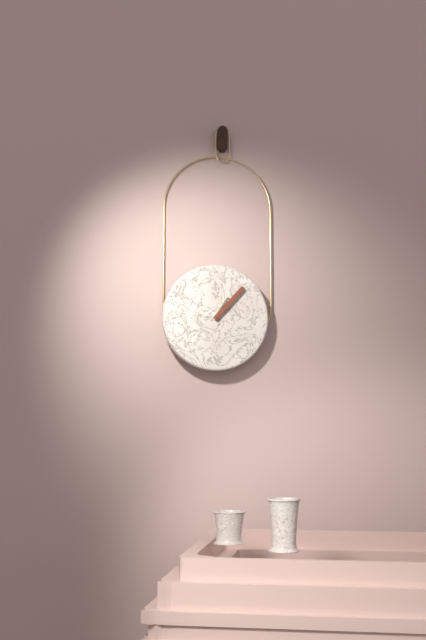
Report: 1:07
